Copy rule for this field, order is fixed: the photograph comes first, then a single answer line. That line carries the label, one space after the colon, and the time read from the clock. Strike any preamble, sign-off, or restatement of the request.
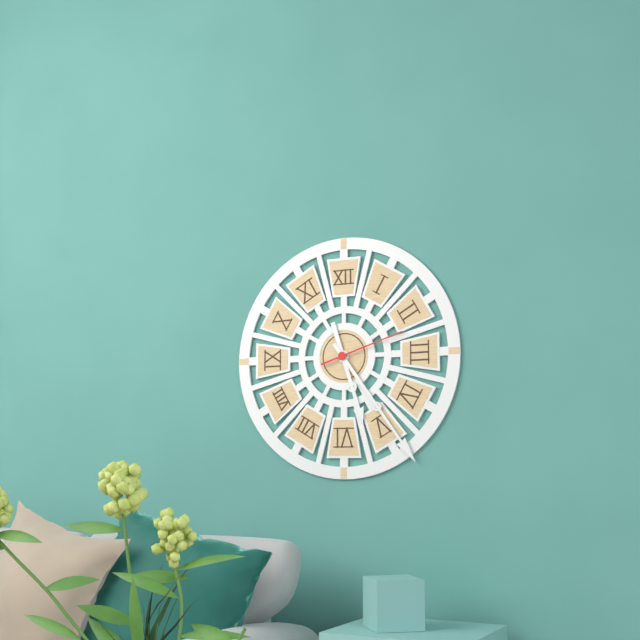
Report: 5:24:12
